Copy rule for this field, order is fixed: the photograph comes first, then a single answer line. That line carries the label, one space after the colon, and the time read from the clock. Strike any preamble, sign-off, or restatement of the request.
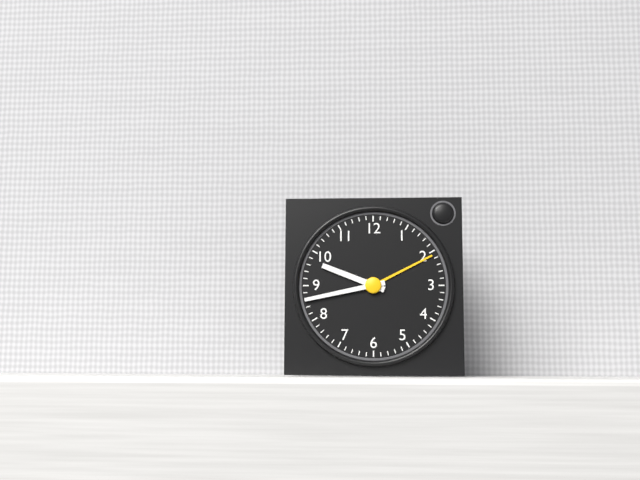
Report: 9:43
